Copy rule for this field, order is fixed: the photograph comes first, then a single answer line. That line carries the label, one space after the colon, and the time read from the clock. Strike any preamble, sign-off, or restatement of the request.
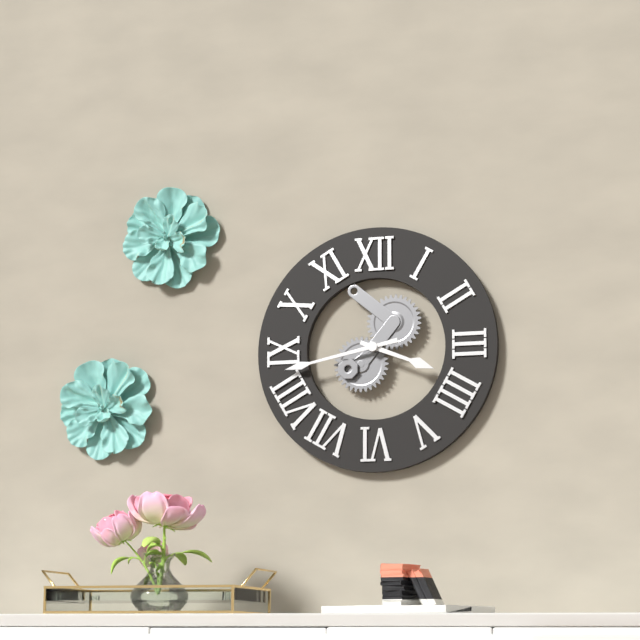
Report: 3:43
